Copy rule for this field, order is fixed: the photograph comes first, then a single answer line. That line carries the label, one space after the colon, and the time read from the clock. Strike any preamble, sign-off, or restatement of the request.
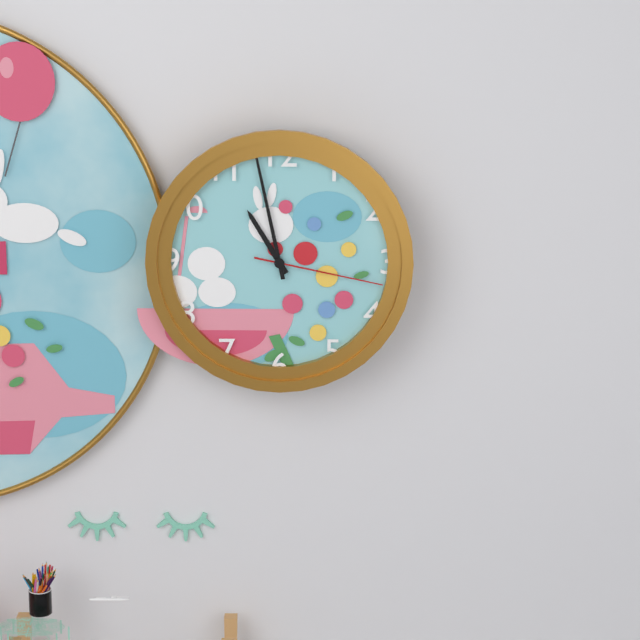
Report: 10:58:17
